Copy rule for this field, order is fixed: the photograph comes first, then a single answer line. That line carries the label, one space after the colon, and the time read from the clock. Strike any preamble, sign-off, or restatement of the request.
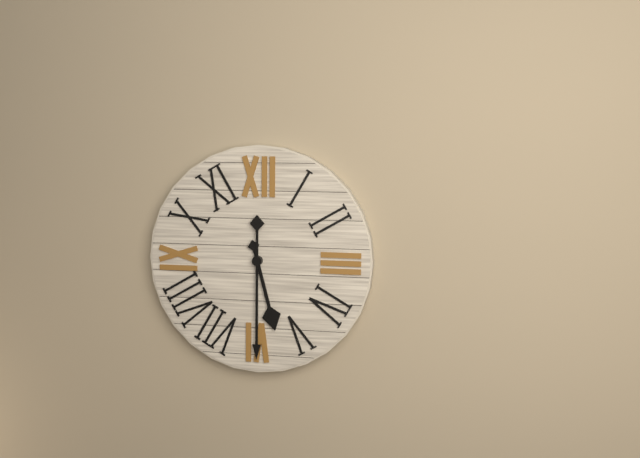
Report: 5:30
